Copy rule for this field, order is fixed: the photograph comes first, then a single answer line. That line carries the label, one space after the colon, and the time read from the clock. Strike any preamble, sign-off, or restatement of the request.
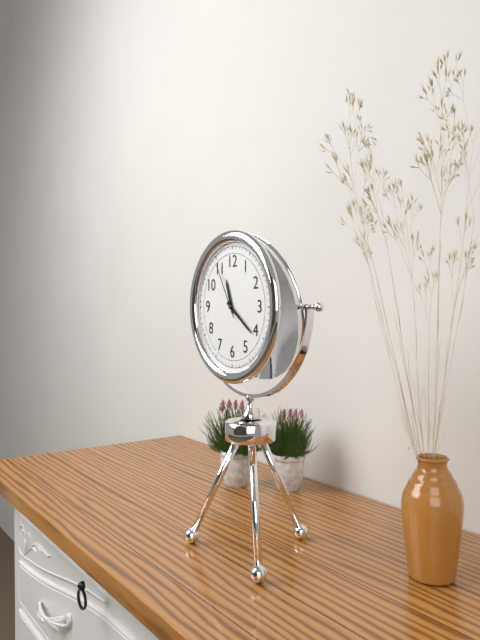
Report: 11:21:55
